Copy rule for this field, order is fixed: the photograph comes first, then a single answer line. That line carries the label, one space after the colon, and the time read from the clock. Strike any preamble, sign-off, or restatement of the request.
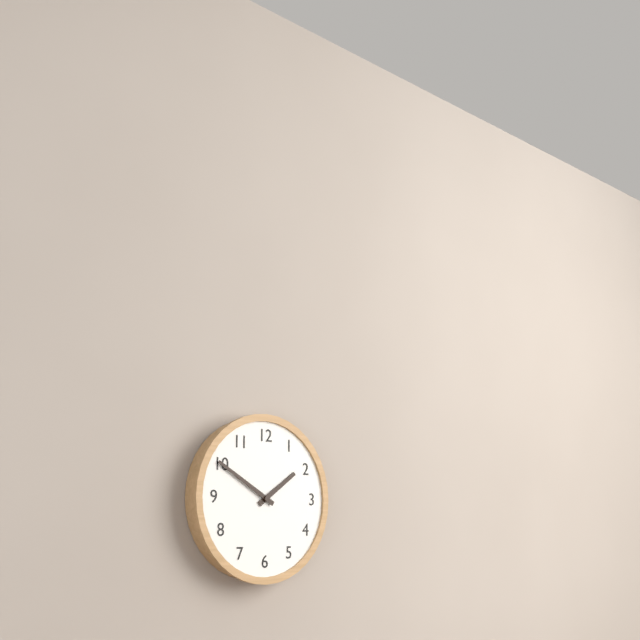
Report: 1:50
